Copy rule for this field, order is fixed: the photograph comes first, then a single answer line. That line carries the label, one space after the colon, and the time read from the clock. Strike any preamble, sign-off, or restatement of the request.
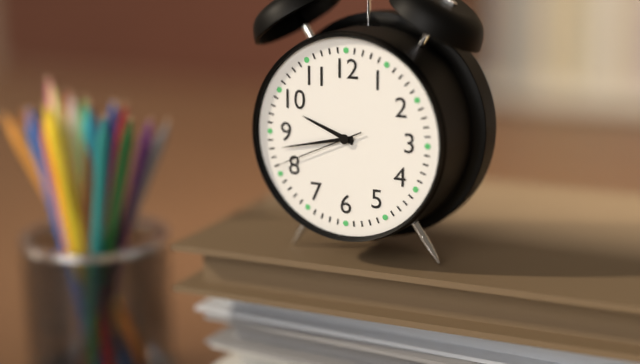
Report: 9:43:41
